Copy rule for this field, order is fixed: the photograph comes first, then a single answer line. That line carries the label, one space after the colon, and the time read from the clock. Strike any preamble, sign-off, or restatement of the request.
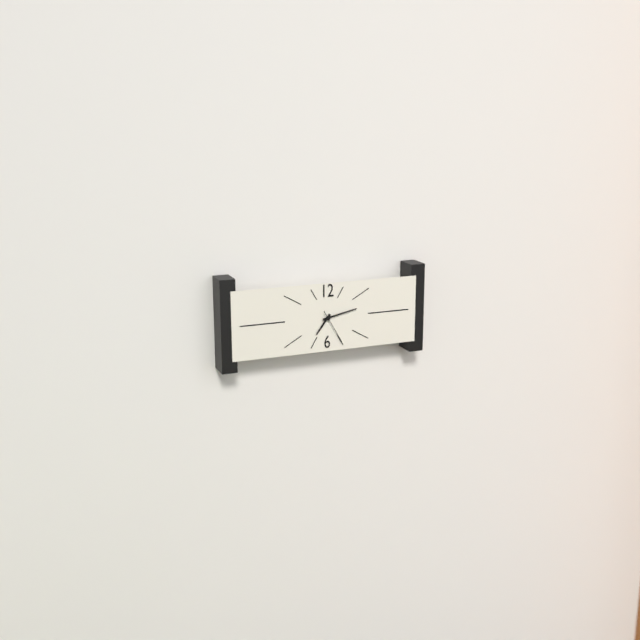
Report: 7:13
